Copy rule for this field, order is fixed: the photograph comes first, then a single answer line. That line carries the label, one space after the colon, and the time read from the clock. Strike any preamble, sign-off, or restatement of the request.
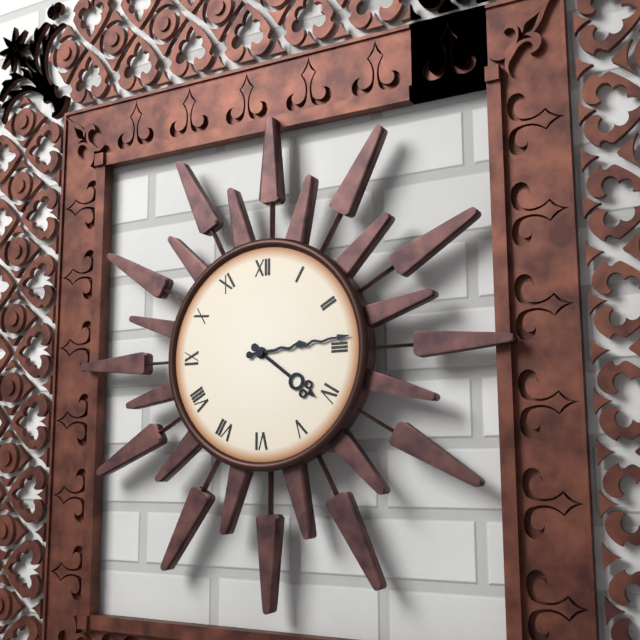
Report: 4:14
